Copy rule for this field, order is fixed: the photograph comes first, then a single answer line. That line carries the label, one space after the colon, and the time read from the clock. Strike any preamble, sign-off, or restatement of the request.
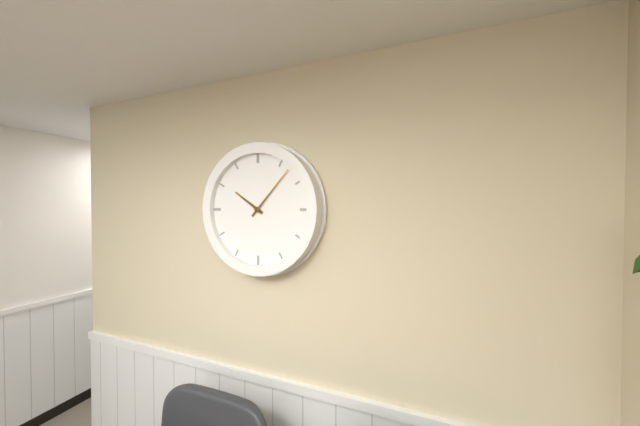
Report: 10:07
